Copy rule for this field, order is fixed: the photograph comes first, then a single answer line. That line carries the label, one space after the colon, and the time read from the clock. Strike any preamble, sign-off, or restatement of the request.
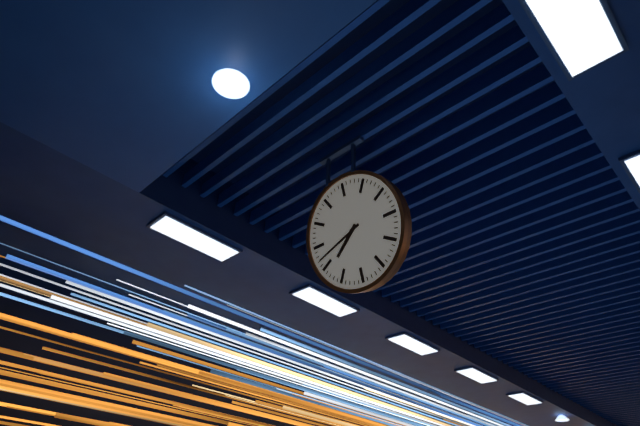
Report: 7:42
